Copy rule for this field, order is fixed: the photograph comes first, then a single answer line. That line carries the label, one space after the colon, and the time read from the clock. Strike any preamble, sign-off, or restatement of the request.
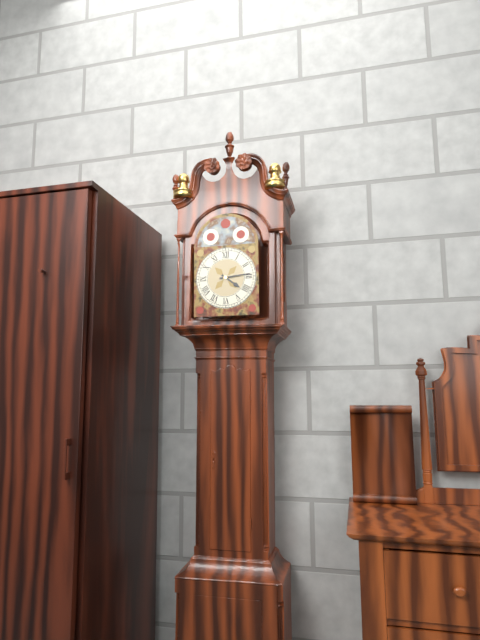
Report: 4:14
